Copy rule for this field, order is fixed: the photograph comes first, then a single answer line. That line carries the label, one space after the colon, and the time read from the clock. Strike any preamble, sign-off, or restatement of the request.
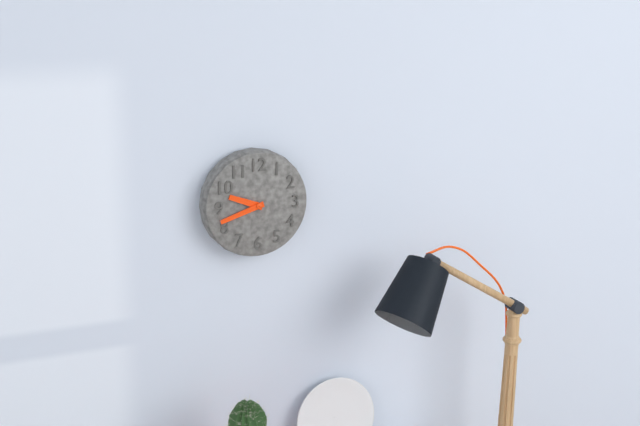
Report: 9:42
